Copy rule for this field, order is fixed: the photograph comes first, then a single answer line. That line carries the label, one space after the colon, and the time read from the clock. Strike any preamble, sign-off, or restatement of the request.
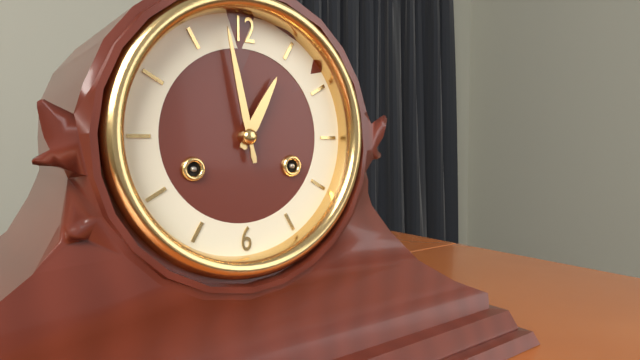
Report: 12:58
